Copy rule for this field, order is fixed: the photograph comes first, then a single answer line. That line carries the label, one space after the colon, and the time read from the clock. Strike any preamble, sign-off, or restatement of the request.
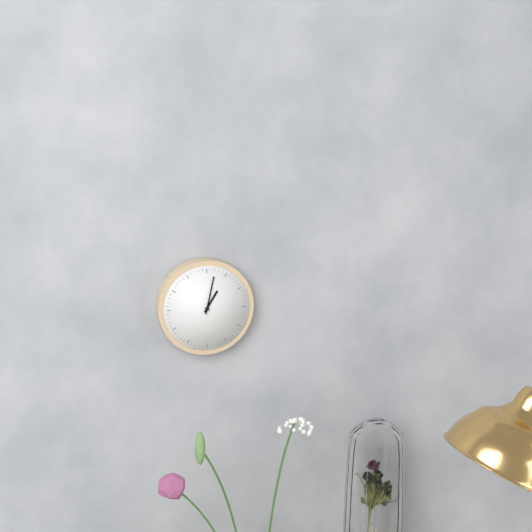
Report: 1:02
